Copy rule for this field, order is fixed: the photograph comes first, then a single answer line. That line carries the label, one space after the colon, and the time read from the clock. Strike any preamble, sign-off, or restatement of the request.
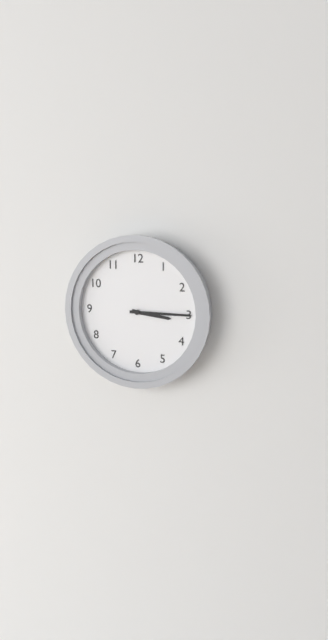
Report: 3:15
